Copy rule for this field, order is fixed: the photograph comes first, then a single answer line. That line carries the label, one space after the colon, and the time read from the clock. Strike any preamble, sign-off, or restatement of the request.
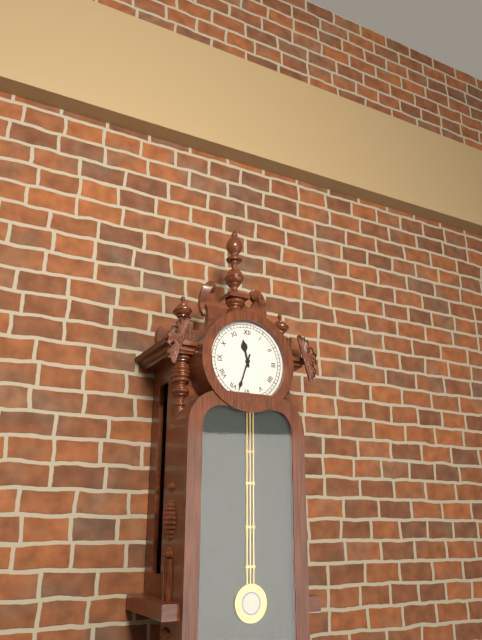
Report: 11:33
